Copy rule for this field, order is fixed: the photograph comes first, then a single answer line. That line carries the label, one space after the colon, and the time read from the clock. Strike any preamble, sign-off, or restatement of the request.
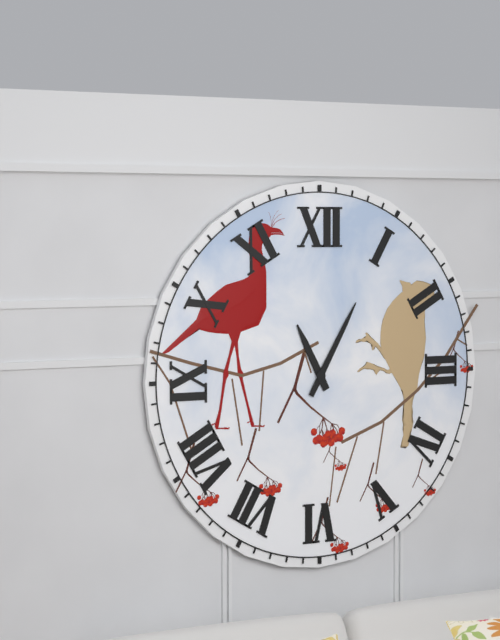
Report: 11:05
